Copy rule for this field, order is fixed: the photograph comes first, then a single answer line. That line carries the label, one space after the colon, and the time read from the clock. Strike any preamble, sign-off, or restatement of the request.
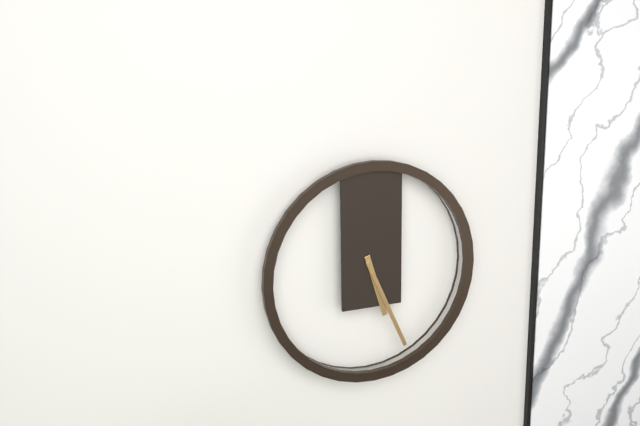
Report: 5:26
